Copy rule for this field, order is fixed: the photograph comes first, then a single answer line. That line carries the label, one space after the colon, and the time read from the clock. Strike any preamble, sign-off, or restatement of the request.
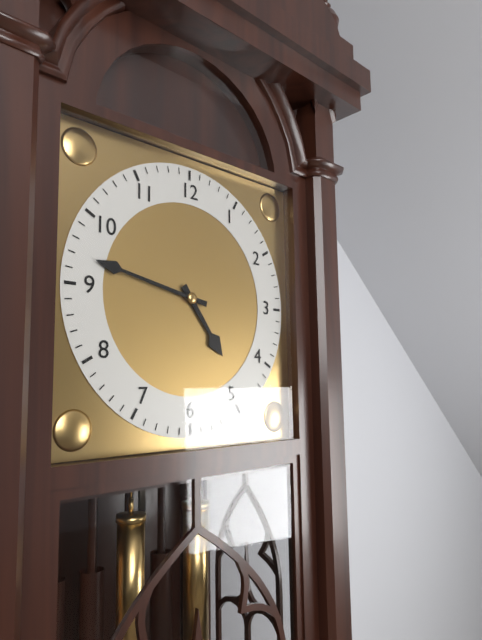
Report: 4:47
